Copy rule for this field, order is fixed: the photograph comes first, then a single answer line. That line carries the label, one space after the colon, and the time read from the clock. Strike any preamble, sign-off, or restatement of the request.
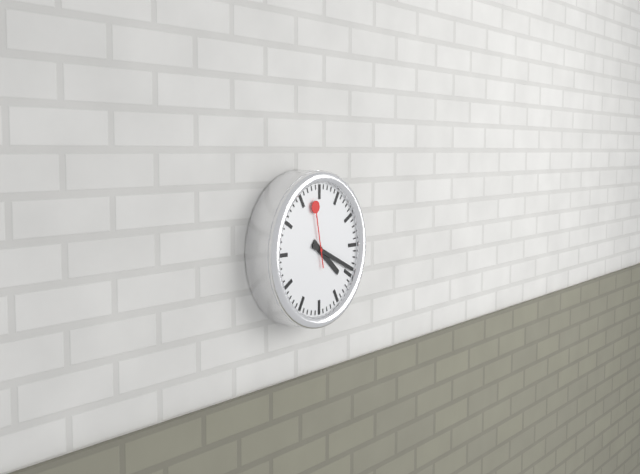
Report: 4:19:58
